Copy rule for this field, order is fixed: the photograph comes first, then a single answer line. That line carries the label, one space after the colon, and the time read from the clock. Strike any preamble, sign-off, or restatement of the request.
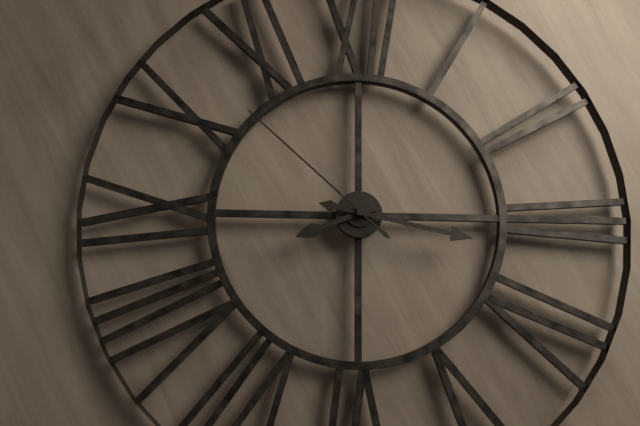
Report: 8:17:52
